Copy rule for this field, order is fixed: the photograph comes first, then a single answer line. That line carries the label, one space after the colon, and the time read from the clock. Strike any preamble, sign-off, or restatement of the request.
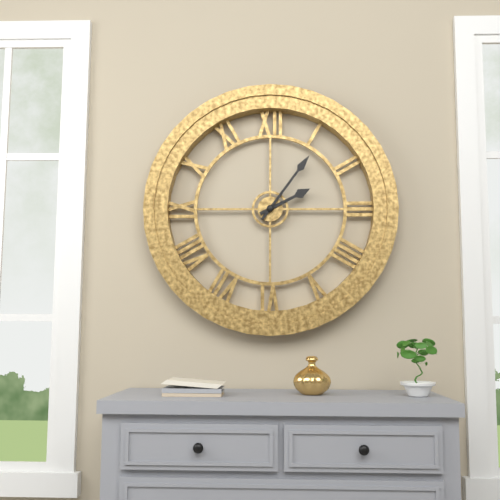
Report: 2:06
